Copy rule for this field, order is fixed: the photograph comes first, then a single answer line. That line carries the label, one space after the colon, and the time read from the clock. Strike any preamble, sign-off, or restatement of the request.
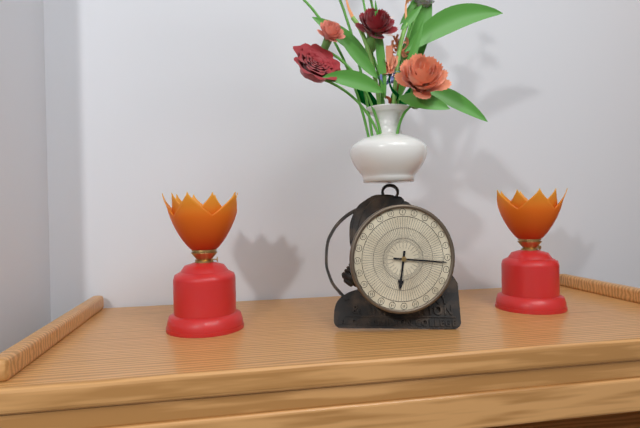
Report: 6:16
